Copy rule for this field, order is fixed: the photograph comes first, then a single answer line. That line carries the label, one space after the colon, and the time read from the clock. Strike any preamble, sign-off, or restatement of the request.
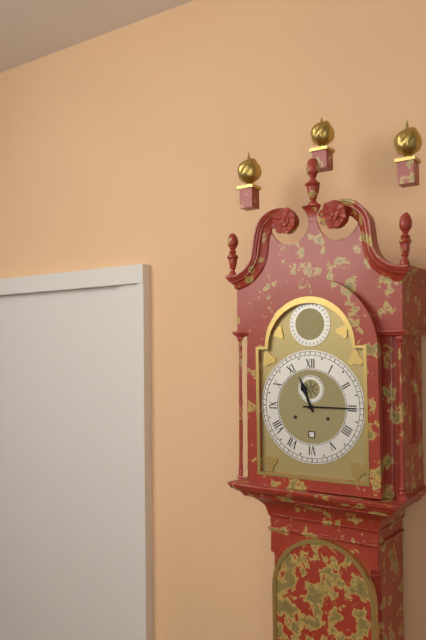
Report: 11:15
